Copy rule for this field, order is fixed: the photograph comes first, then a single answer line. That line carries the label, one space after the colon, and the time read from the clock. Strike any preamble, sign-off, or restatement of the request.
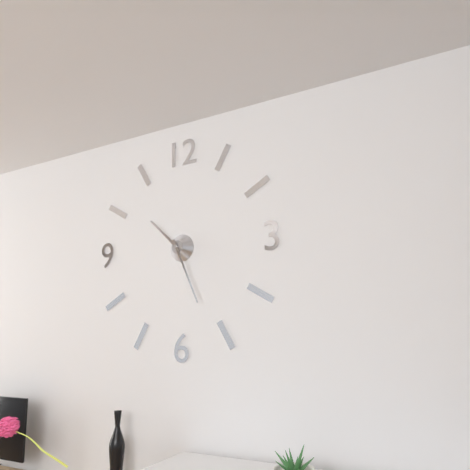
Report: 10:26
